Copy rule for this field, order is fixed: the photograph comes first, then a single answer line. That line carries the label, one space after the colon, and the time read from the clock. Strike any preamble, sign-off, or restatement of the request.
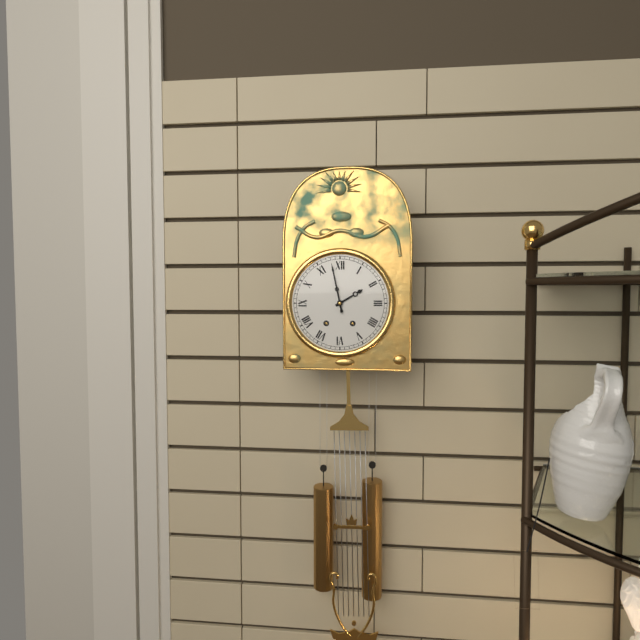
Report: 1:58
